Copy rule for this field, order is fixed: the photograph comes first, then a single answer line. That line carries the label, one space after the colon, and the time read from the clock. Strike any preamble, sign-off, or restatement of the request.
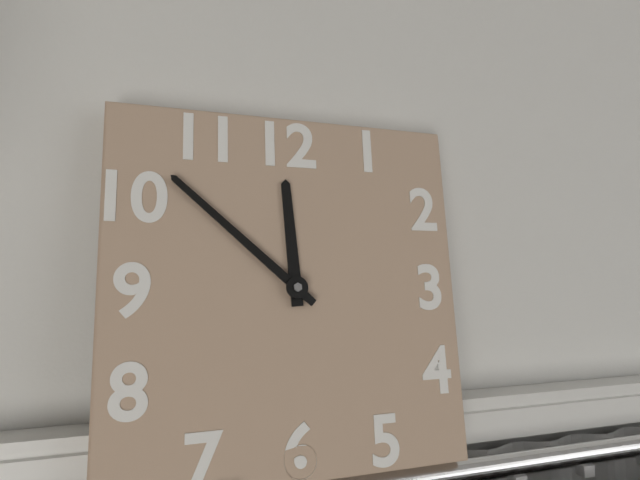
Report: 11:52
